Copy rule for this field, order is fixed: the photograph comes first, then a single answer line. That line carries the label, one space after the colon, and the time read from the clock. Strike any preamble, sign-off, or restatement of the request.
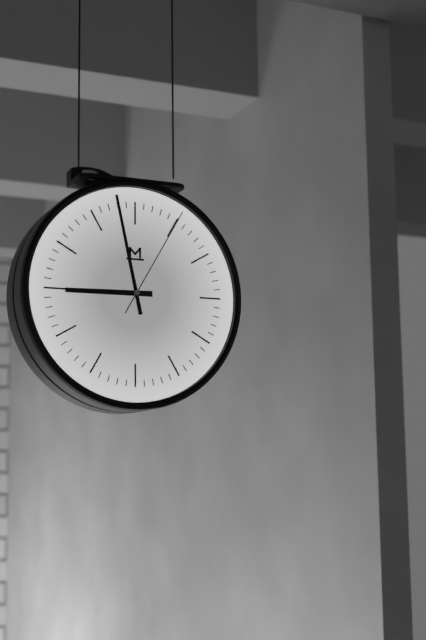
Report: 8:58:05
